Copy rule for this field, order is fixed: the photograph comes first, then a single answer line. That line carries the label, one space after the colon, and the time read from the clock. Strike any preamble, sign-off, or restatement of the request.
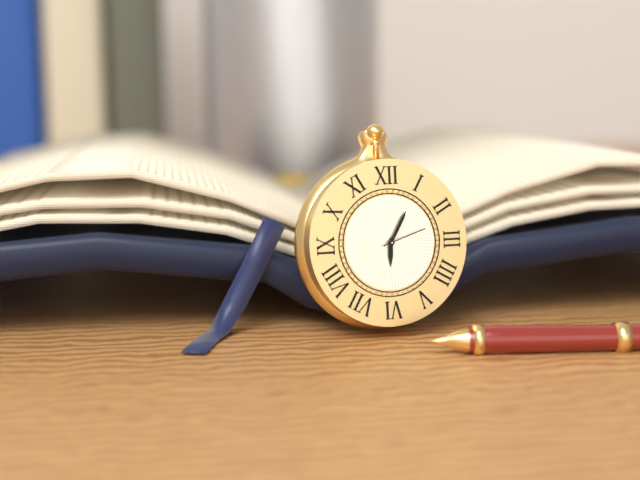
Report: 6:05
